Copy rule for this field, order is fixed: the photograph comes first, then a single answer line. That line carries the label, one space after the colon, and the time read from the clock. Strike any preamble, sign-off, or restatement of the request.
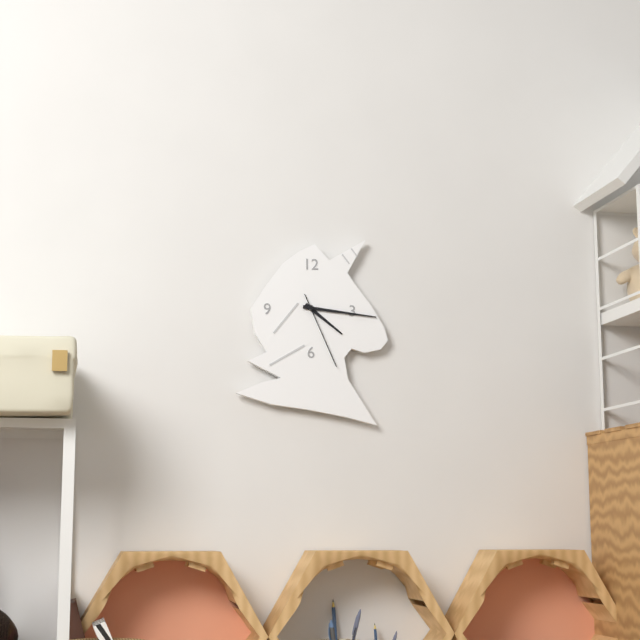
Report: 4:16:26
